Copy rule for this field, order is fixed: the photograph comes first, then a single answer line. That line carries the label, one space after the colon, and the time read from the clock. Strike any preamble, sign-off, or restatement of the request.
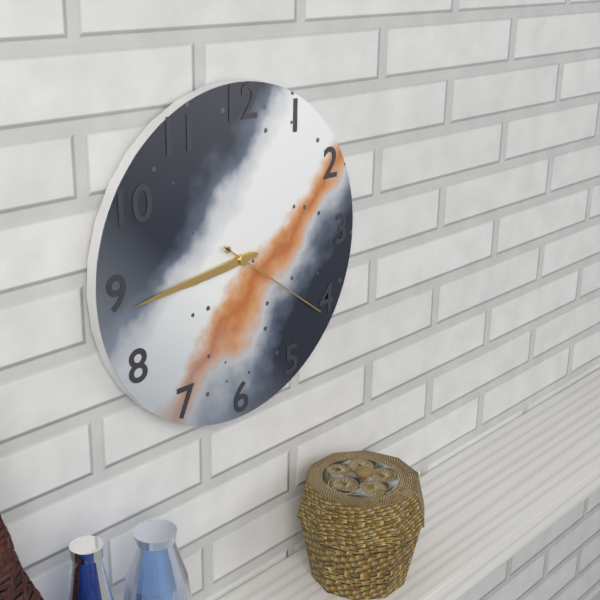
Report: 8:44:21
